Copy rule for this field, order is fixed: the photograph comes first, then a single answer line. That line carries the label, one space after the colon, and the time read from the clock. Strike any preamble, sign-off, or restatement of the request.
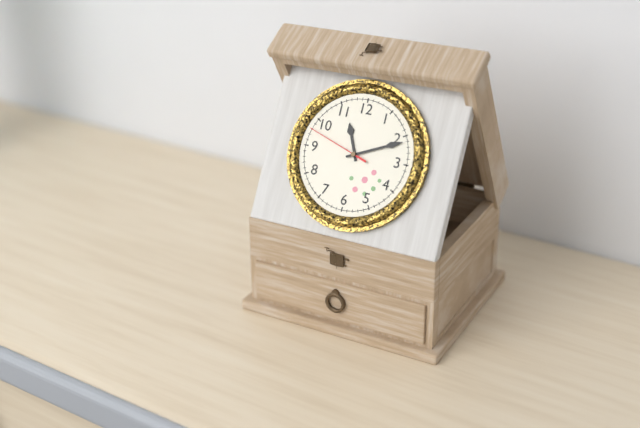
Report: 11:11:48
